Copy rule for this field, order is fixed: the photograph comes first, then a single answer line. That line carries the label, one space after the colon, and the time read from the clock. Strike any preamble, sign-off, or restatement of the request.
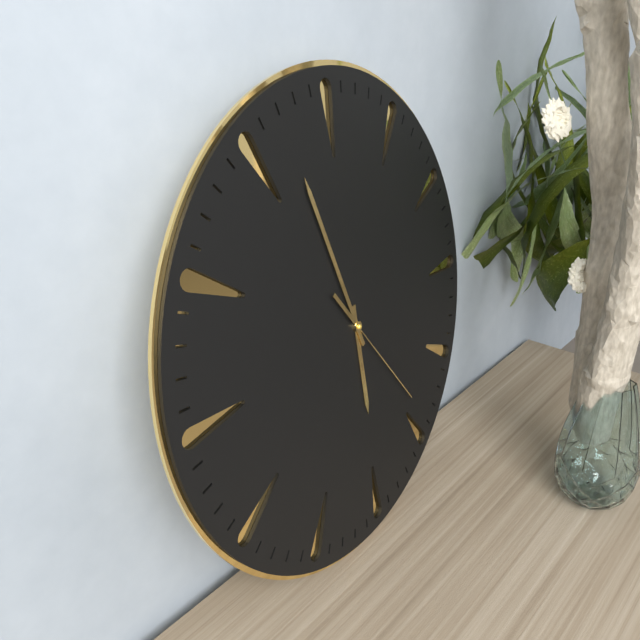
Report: 5:57:24
